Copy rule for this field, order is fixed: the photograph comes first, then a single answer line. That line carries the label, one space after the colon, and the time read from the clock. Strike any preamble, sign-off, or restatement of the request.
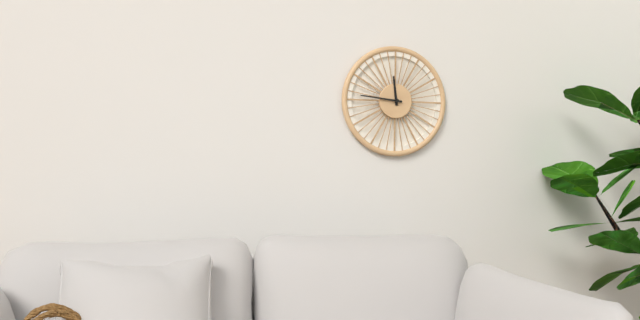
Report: 11:46
